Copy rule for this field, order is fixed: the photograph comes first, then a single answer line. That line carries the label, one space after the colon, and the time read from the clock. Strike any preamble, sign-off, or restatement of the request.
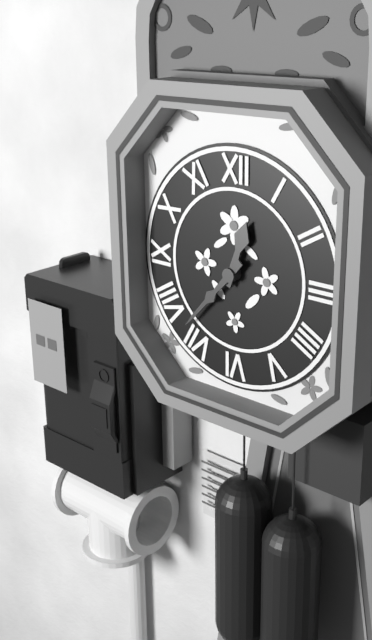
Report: 12:37
